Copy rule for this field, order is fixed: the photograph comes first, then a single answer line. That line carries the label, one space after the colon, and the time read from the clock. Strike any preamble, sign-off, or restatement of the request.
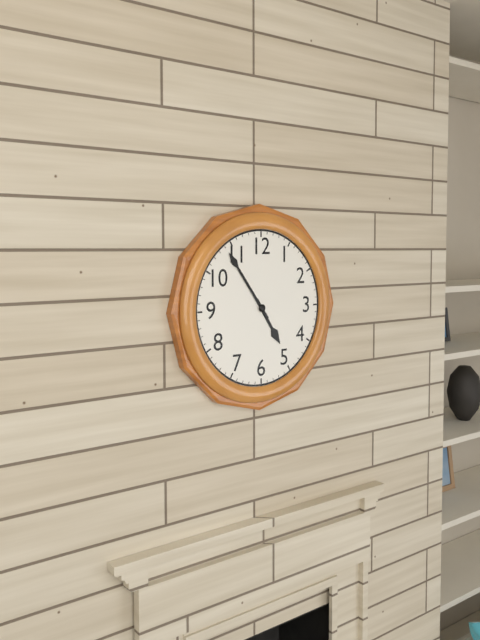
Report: 4:54
